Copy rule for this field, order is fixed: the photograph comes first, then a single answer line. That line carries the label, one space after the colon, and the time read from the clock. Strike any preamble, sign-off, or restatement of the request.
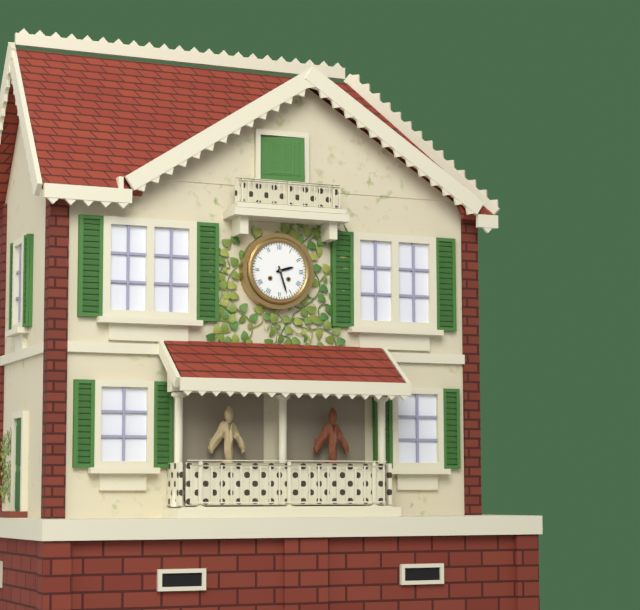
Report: 2:27
